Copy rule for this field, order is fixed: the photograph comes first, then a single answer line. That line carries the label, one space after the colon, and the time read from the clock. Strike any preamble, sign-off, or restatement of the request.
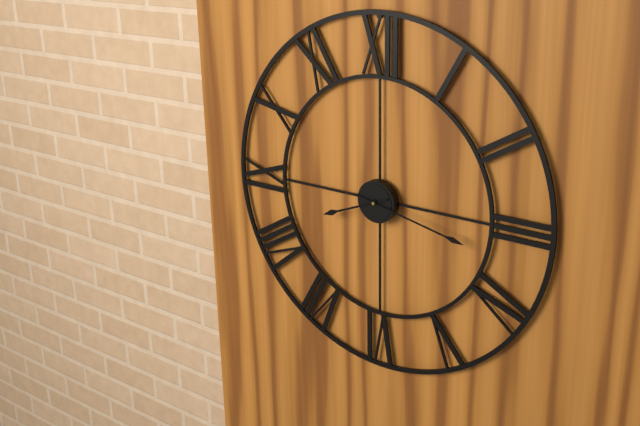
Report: 8:17
